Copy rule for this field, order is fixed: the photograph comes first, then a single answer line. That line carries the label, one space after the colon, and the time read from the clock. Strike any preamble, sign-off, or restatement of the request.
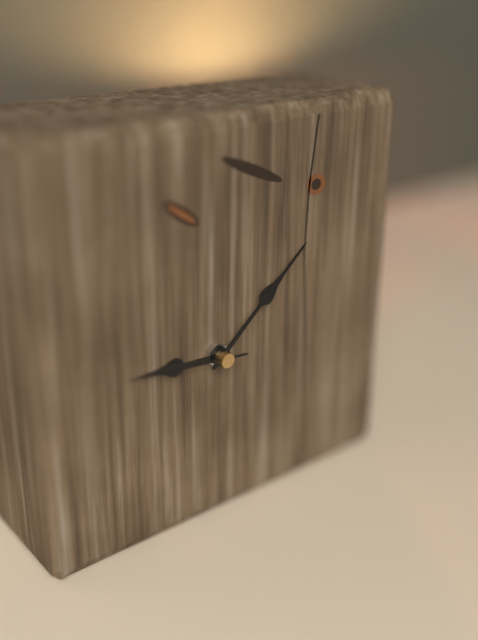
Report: 9:08:46
